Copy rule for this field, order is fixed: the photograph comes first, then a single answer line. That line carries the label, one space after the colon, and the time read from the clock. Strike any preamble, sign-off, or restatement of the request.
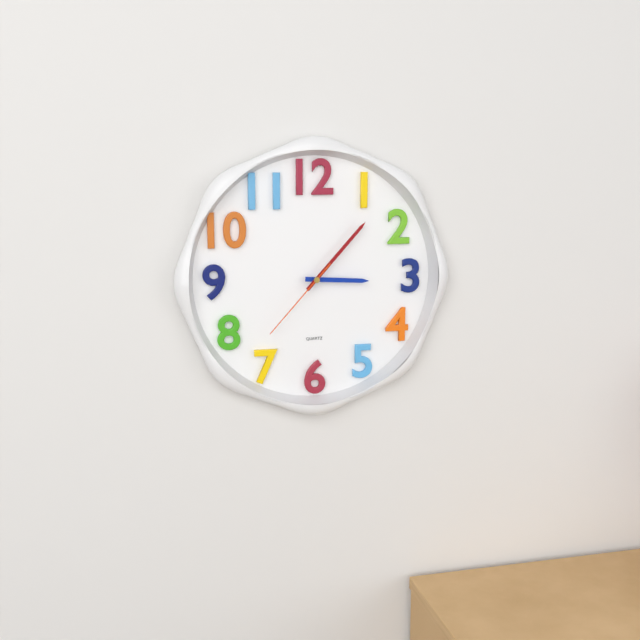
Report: 3:07:37
